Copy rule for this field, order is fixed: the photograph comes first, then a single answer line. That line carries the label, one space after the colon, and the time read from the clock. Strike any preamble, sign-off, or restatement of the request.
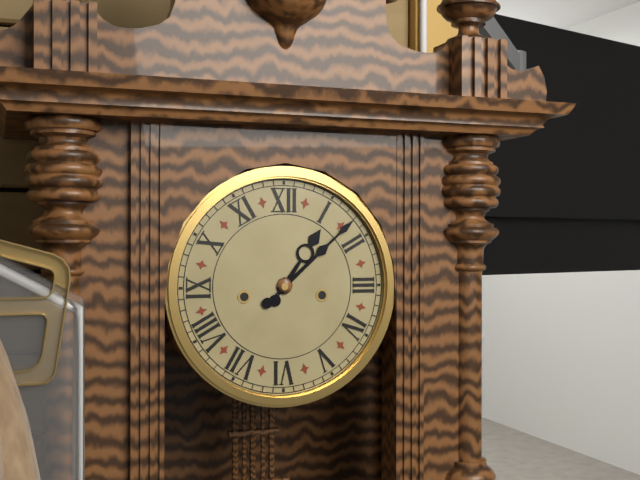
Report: 1:08
